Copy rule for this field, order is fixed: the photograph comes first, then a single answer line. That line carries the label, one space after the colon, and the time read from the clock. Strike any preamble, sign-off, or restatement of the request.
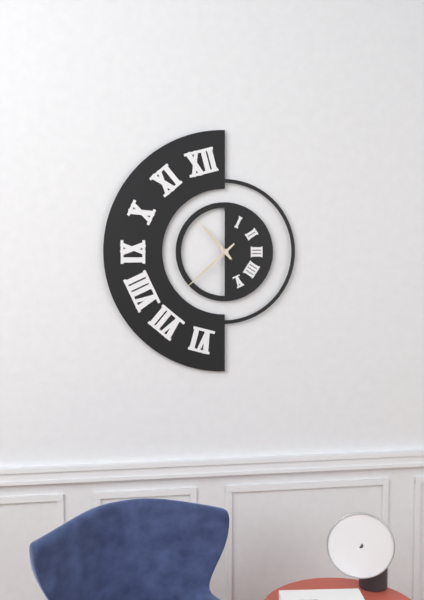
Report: 10:38
